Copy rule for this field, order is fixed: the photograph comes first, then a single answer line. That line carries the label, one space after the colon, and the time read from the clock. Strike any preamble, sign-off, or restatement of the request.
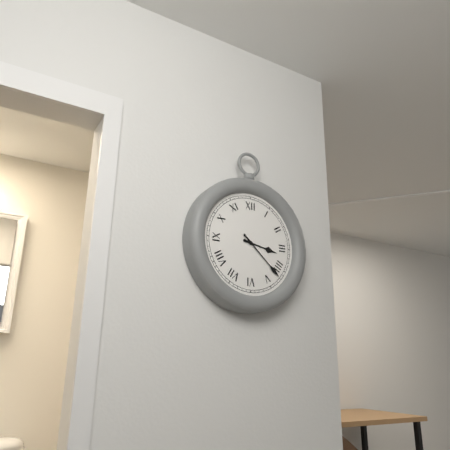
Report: 3:22
